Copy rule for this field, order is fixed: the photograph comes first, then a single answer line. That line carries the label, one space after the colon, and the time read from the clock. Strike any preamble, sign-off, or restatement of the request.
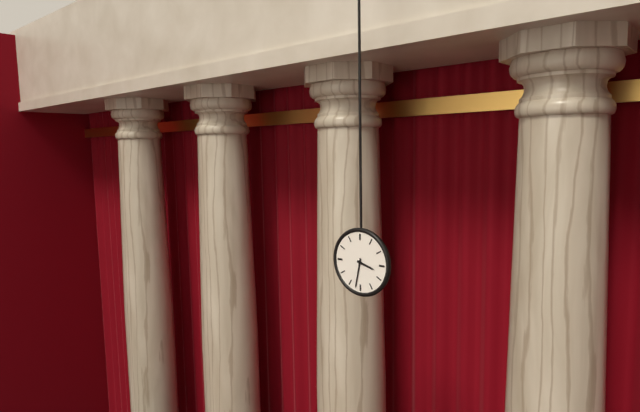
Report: 3:32
